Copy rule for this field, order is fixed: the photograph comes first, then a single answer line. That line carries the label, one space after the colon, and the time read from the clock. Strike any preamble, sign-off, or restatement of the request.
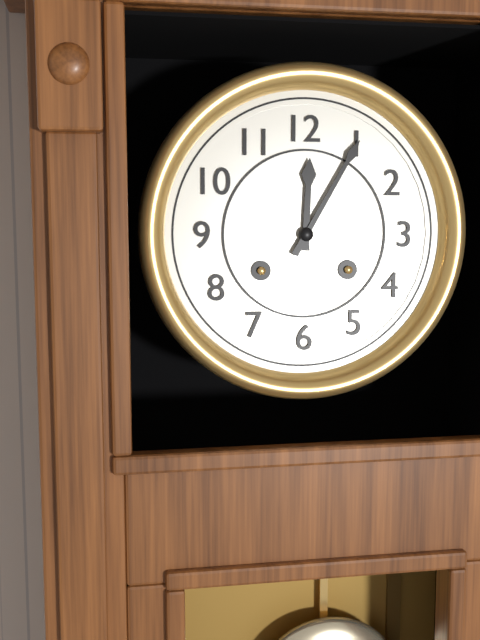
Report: 12:05
